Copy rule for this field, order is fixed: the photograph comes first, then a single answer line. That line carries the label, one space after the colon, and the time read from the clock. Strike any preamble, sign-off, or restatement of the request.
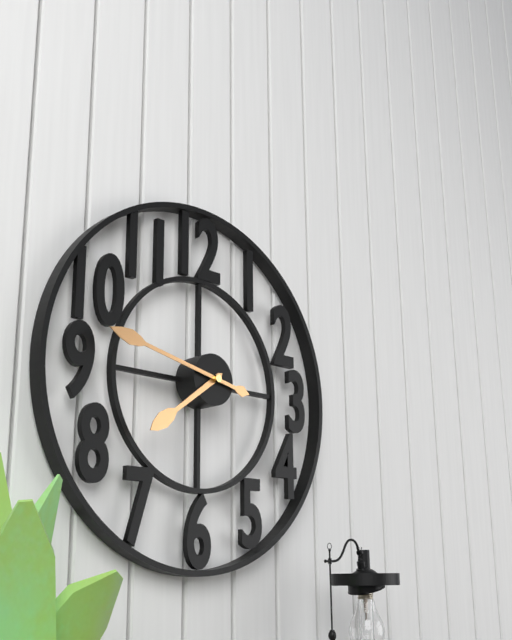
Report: 7:47
